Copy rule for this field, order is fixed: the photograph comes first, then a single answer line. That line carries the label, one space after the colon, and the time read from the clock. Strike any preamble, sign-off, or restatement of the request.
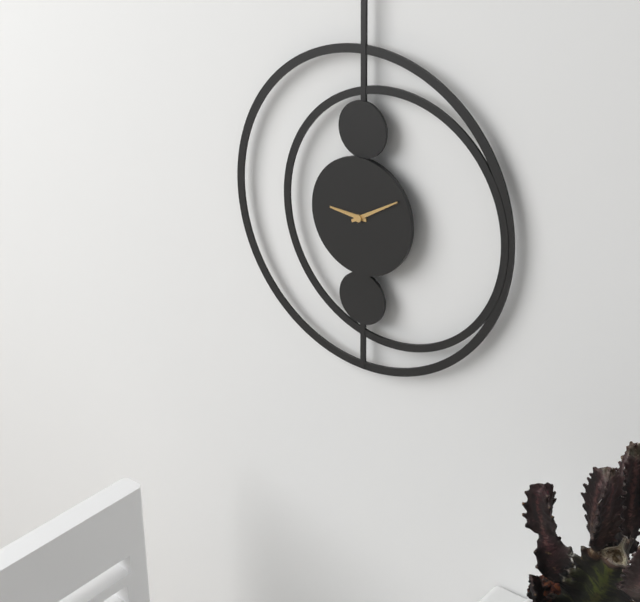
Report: 9:10
